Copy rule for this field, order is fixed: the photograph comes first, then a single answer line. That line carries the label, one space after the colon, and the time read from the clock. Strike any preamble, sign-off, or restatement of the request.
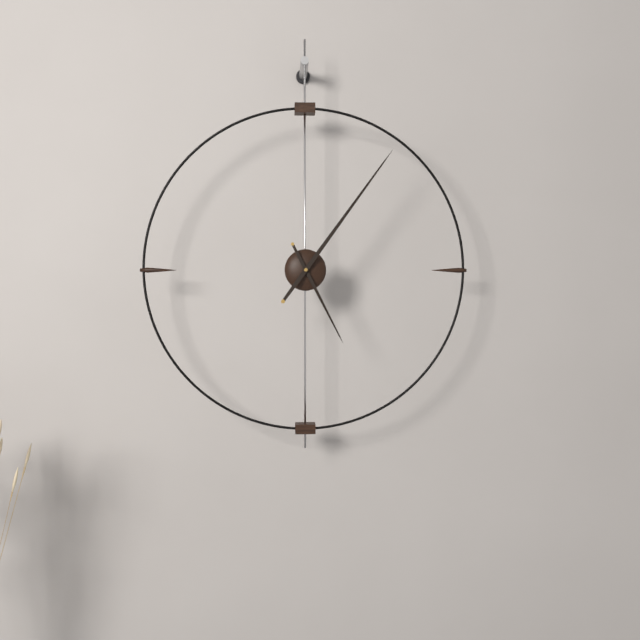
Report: 5:06
